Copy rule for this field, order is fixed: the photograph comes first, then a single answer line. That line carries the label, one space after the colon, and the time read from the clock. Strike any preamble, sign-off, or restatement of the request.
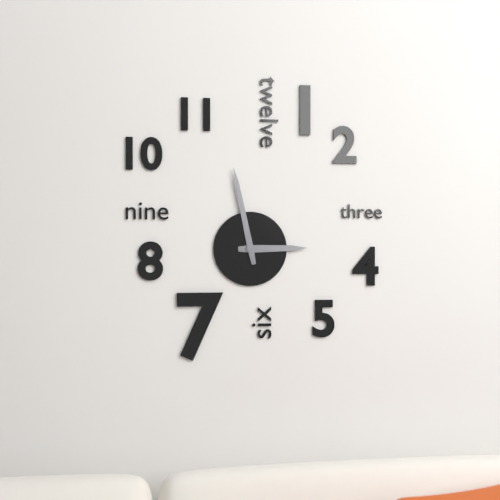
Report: 2:58
